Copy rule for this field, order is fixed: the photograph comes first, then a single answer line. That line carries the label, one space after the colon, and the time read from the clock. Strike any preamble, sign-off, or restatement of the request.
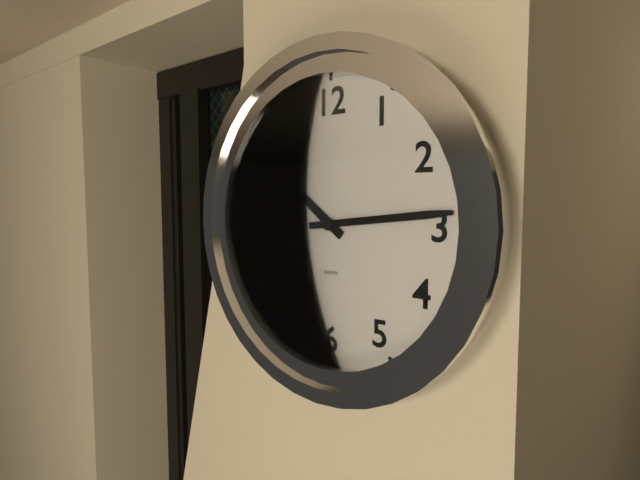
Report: 10:14
